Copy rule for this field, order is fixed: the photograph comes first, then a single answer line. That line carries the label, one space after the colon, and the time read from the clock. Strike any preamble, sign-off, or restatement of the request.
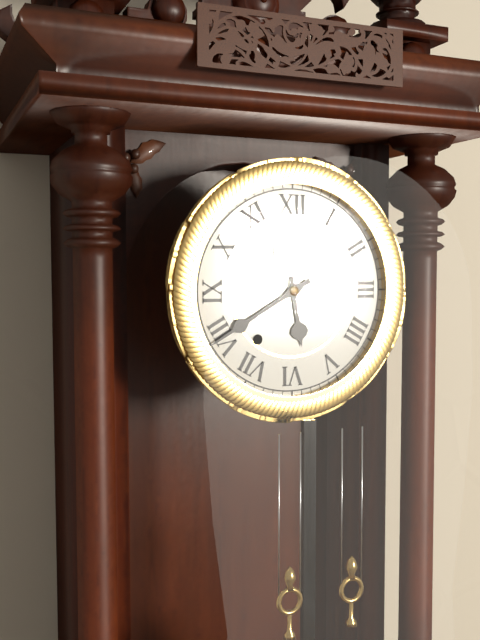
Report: 5:40
